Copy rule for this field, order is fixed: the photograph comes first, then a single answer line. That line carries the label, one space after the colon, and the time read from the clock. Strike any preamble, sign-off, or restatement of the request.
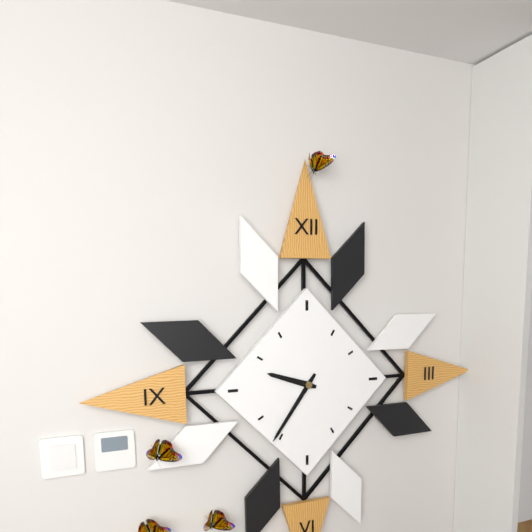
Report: 9:36
